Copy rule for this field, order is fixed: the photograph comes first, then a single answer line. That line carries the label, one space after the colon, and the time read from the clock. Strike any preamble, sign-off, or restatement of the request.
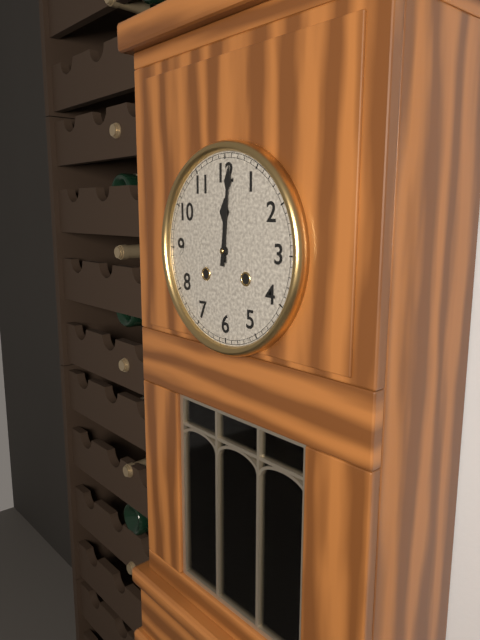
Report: 12:01
